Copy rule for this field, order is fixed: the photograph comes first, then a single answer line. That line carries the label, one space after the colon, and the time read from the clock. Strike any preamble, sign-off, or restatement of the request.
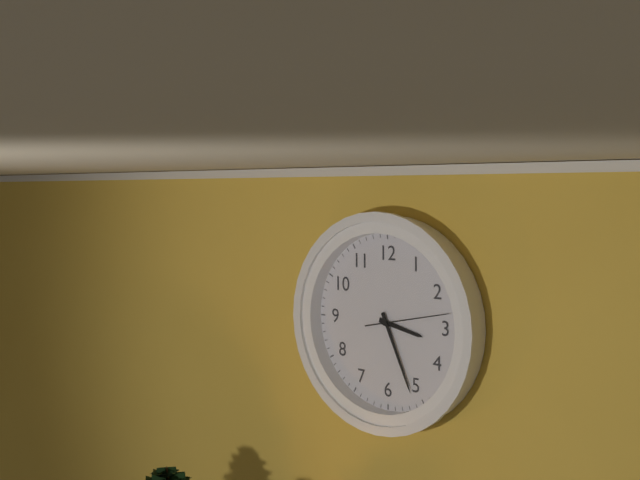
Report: 3:26:13
